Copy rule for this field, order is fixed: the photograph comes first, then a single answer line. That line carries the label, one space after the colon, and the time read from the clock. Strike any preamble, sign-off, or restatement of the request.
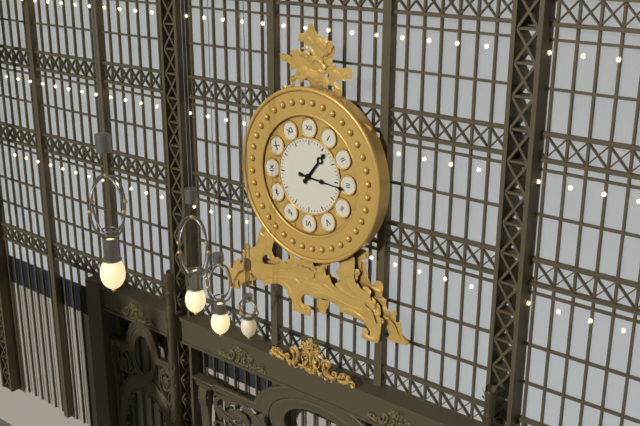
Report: 1:16
